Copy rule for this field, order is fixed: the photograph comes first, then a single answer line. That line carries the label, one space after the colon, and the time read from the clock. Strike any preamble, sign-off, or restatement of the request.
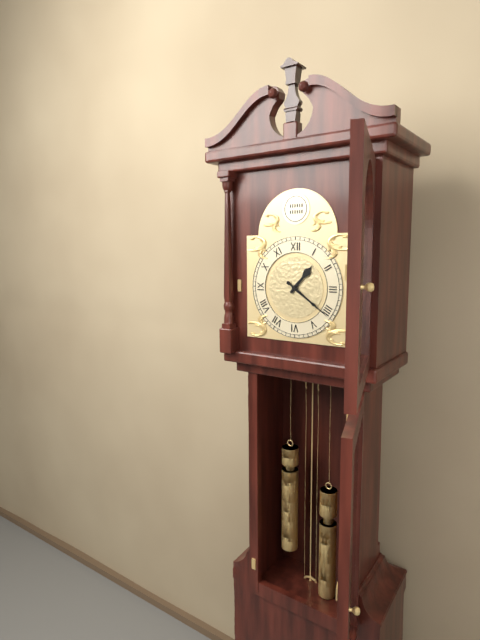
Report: 1:21
